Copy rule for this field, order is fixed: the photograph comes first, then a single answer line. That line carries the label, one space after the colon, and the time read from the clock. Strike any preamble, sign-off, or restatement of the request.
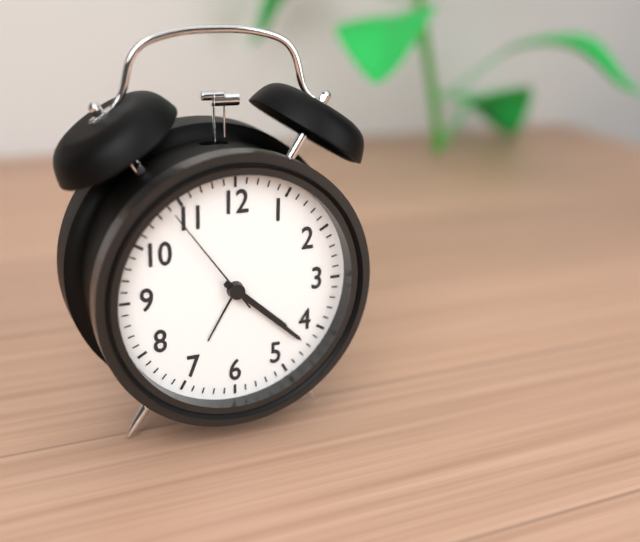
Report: 4:22:54
